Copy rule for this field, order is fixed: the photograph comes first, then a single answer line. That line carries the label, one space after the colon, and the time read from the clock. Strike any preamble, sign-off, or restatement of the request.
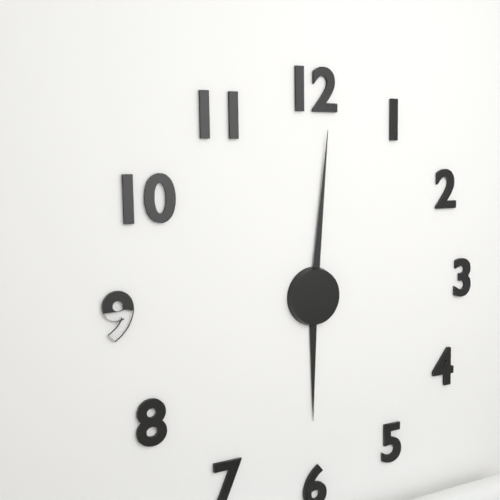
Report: 6:01
